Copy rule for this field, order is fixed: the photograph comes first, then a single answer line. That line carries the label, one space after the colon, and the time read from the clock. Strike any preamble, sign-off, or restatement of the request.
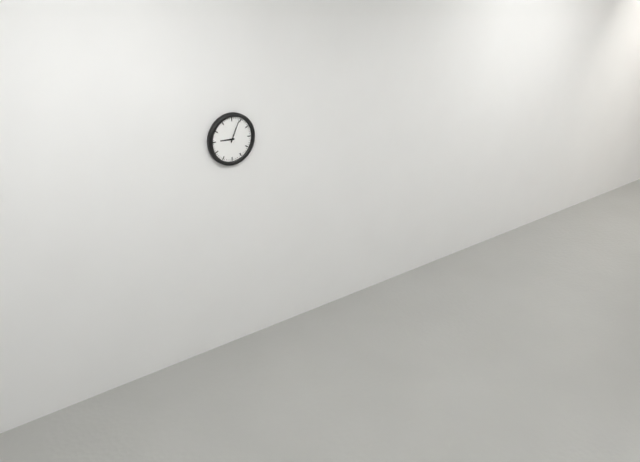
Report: 9:04
